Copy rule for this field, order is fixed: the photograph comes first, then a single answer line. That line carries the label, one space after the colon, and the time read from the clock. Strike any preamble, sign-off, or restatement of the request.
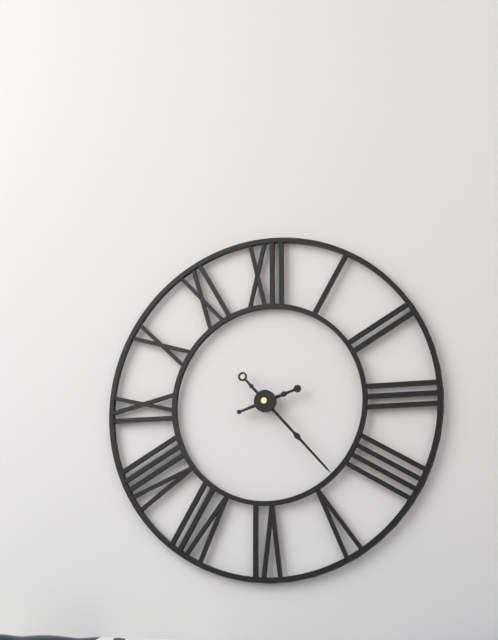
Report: 2:23
